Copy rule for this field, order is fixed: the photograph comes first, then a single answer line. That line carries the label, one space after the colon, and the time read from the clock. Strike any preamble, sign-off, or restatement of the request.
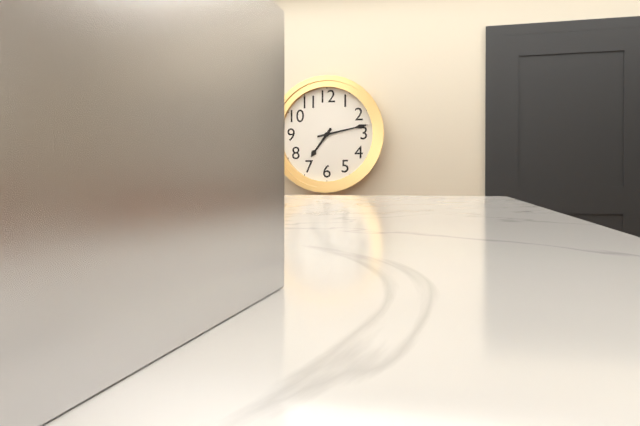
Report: 7:13
